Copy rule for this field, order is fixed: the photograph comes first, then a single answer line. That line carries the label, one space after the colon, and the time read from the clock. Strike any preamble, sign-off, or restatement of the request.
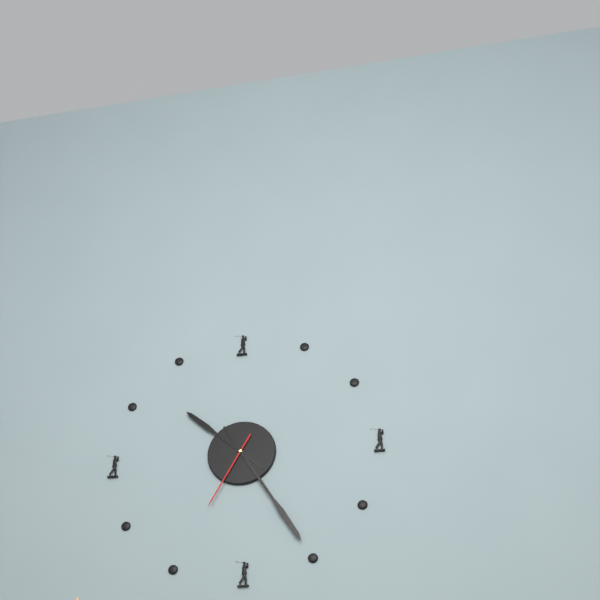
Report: 10:25:35
